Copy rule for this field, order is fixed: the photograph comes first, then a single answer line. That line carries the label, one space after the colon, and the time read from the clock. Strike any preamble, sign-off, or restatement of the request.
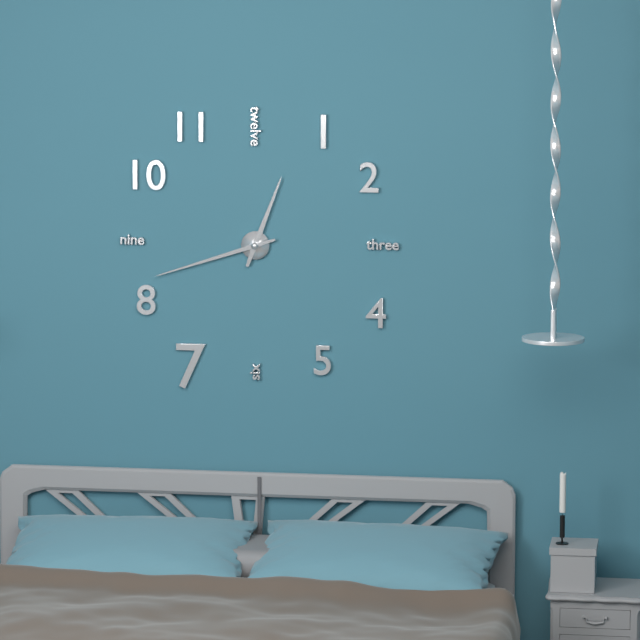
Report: 12:42
